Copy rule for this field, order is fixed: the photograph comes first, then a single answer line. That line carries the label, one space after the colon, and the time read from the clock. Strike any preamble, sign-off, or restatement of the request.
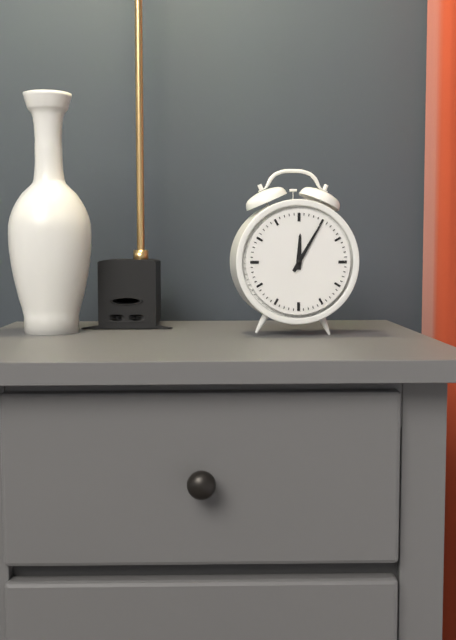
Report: 12:05
